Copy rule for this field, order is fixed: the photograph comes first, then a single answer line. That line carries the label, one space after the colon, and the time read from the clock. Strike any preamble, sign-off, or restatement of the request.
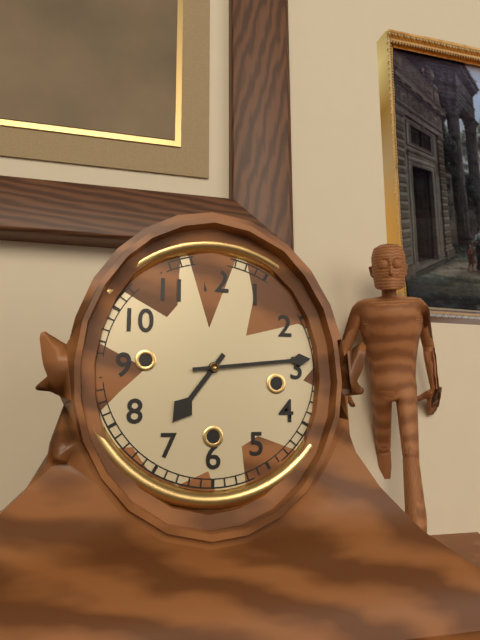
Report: 7:14
